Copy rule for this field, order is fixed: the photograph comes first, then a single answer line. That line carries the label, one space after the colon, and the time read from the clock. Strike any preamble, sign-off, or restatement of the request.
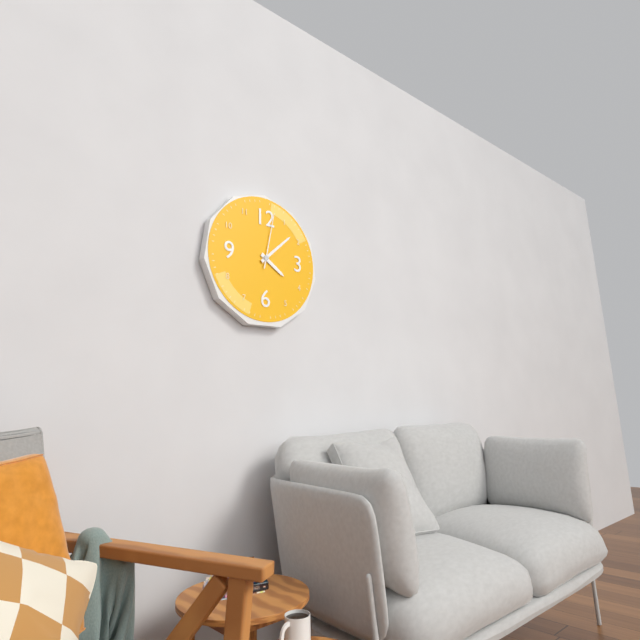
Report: 4:08:02
